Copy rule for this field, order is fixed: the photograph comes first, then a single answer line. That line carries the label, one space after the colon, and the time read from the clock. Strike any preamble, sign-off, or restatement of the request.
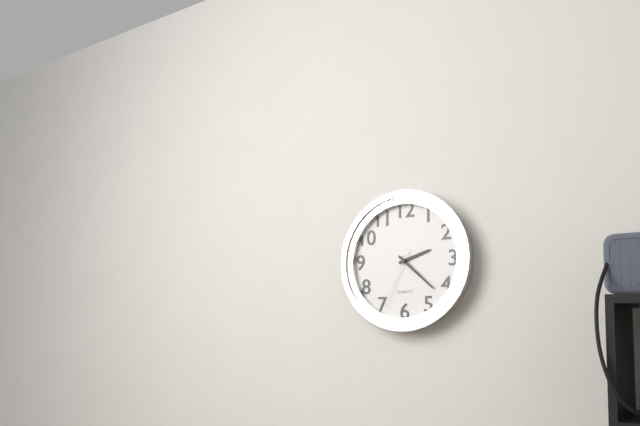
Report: 2:22:34
